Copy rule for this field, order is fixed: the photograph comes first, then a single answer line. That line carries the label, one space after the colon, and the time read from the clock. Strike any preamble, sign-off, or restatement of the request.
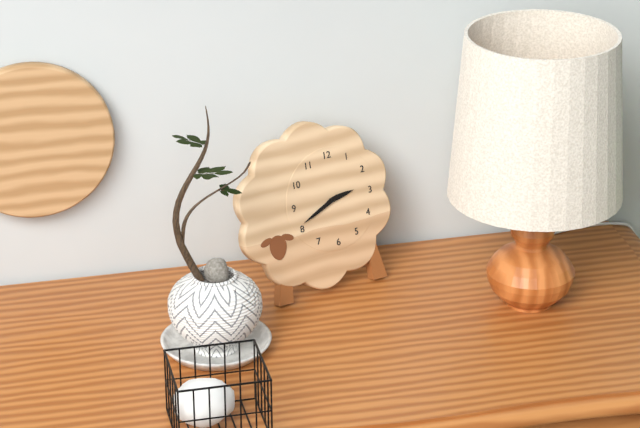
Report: 2:41
